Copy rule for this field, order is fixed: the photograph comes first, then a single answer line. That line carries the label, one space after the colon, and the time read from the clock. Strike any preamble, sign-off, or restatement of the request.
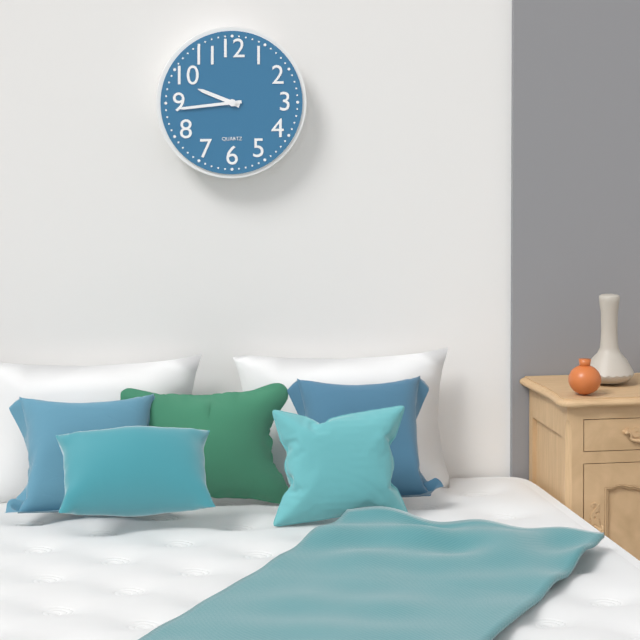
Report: 9:44
